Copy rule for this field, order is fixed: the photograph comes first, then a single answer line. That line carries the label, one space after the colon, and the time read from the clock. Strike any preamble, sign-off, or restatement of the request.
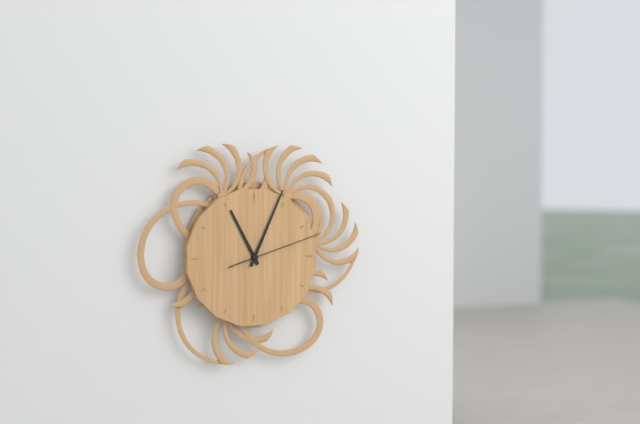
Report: 11:04:12
